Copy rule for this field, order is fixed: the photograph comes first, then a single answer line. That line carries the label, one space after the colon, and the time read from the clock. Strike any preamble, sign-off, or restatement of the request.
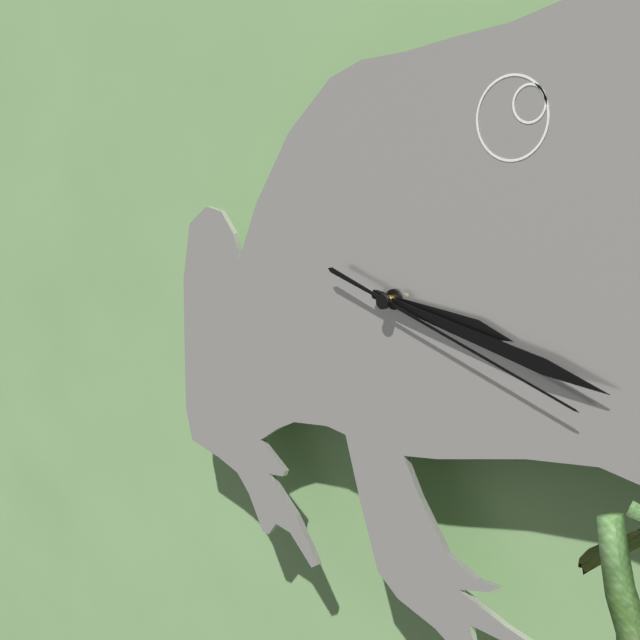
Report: 3:17:18
